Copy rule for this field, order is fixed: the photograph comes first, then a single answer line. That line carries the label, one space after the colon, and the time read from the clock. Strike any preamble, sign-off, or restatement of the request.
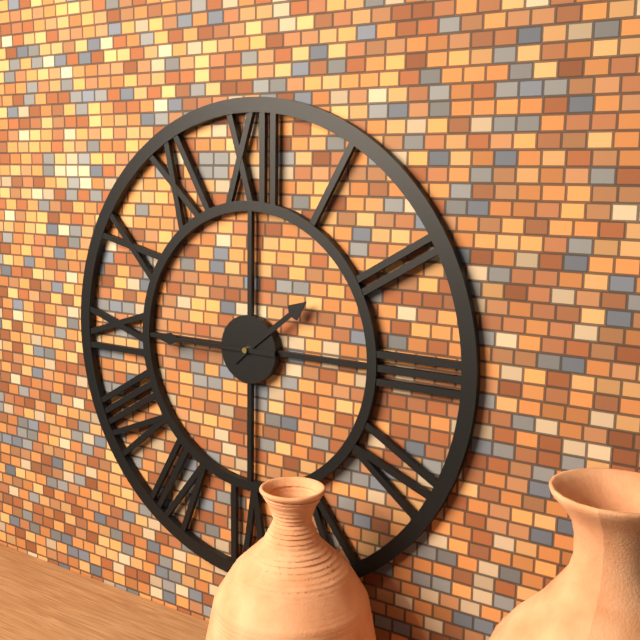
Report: 1:45
